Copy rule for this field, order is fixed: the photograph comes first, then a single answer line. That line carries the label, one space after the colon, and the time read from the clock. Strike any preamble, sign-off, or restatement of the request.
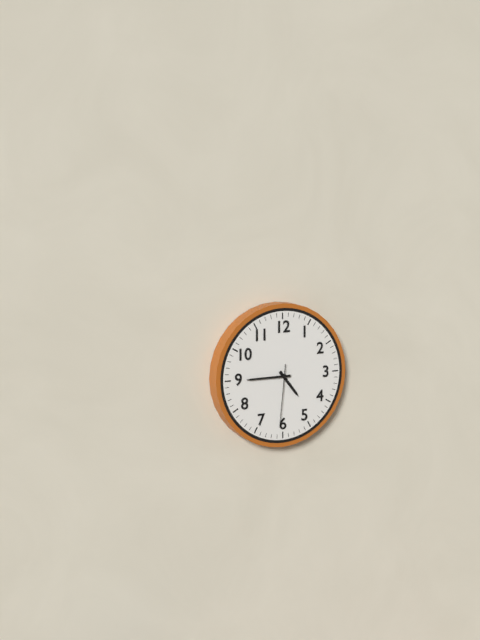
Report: 4:45:31
